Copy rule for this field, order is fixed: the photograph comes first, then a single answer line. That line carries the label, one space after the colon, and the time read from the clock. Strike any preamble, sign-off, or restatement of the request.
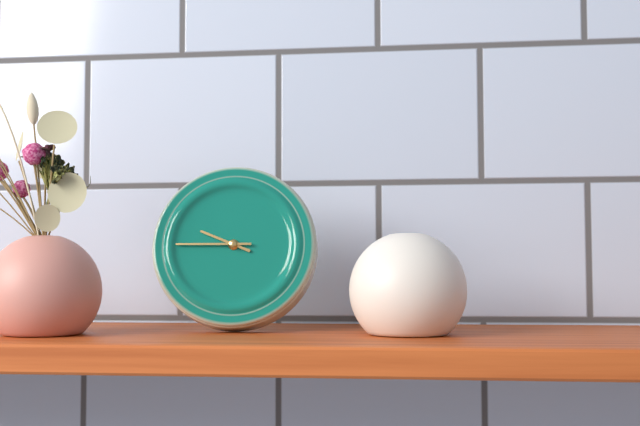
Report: 9:45
